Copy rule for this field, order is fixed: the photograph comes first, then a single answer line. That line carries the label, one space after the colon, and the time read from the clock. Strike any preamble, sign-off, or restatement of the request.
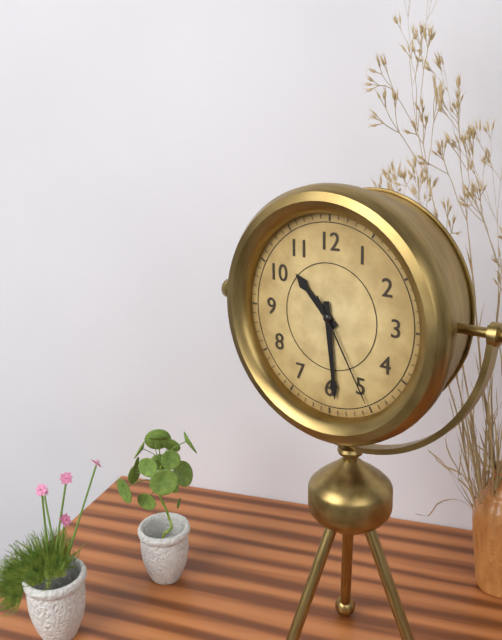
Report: 10:29:25
